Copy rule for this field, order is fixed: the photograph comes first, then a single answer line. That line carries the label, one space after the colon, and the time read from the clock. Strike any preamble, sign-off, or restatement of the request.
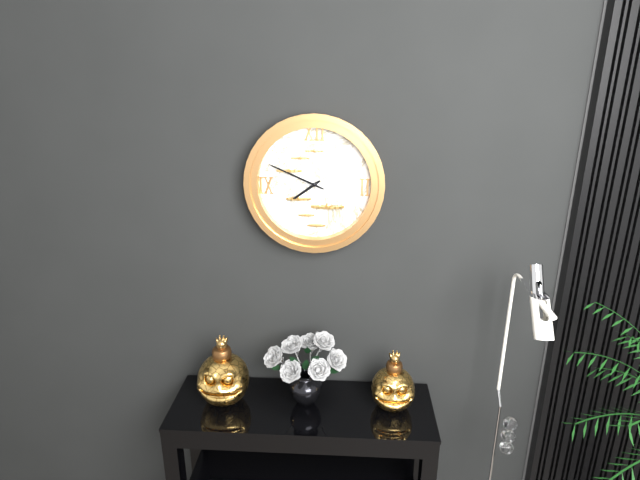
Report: 7:49
